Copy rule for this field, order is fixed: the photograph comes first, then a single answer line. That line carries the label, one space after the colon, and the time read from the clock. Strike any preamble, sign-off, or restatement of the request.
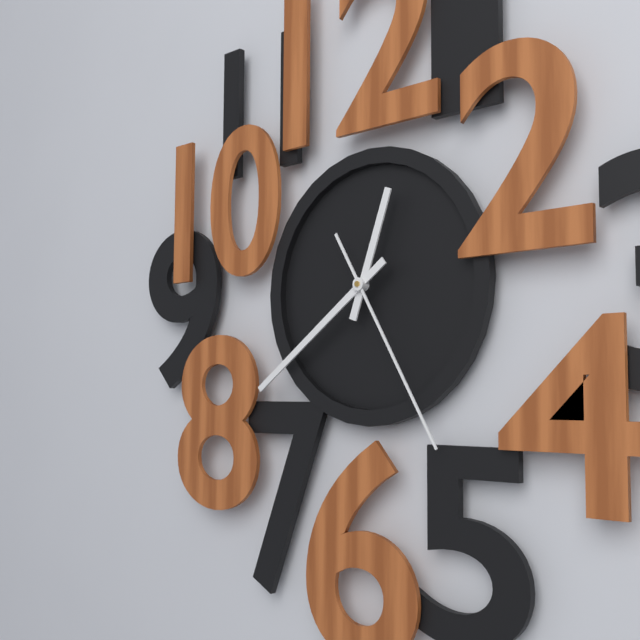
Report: 12:39:25
